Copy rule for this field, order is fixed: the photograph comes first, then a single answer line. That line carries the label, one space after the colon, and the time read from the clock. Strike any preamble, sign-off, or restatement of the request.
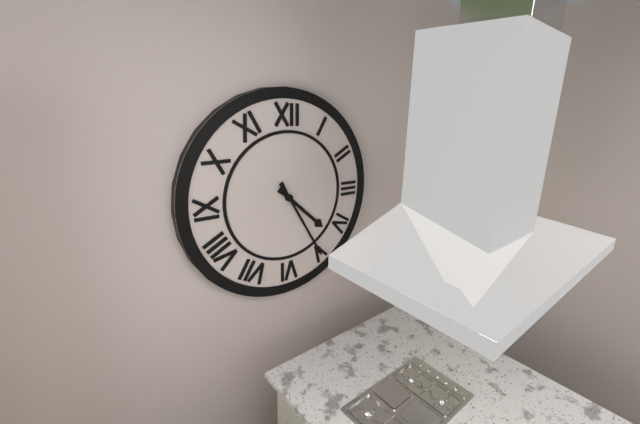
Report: 4:25
